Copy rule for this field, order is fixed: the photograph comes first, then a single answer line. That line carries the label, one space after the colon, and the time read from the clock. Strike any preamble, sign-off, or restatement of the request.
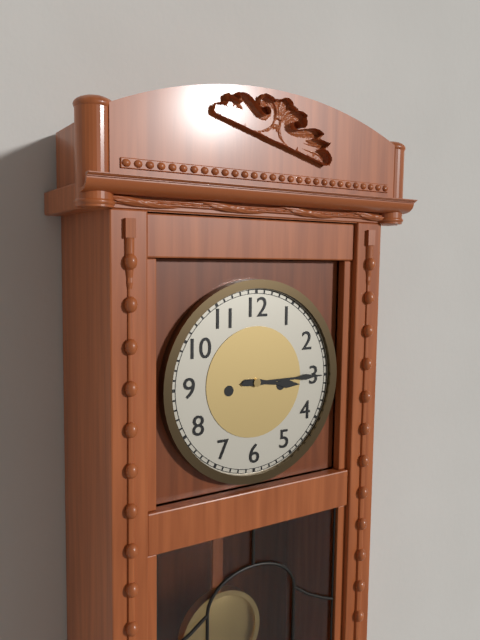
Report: 3:15
